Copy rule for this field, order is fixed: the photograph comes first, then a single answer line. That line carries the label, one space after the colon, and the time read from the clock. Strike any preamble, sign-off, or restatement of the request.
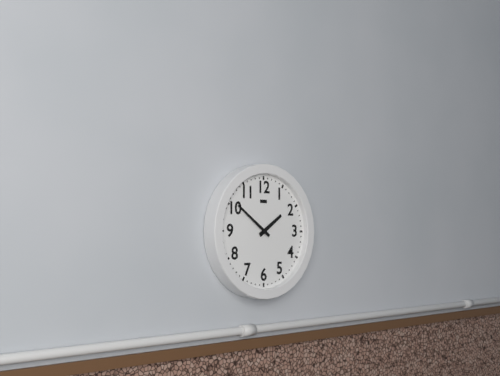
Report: 1:51
